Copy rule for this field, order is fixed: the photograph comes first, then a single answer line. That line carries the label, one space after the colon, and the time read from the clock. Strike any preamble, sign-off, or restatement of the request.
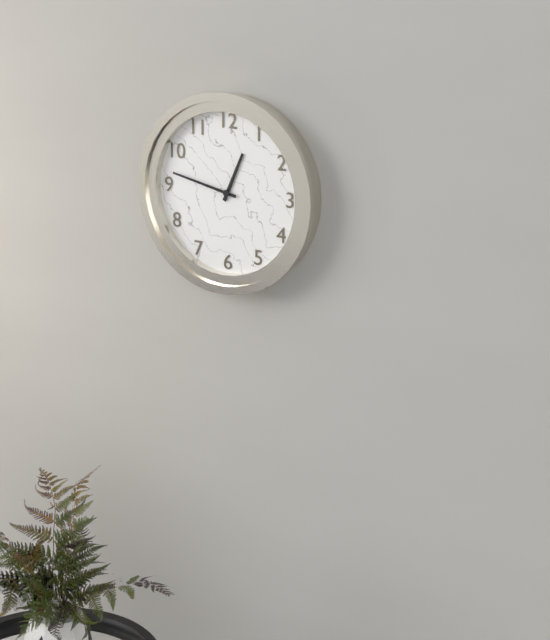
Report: 12:47
